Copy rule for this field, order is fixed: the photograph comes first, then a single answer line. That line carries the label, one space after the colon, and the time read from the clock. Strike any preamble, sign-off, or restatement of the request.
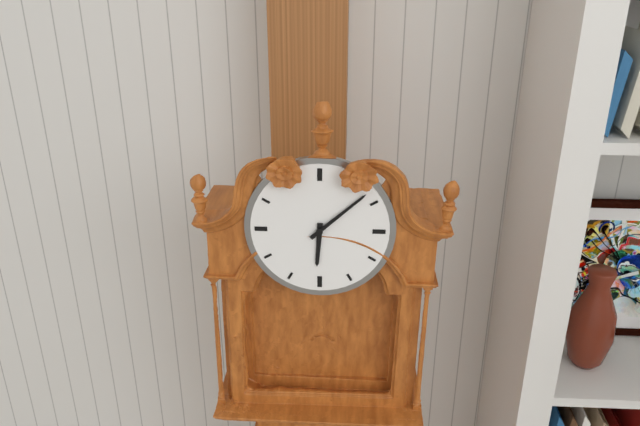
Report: 6:08
